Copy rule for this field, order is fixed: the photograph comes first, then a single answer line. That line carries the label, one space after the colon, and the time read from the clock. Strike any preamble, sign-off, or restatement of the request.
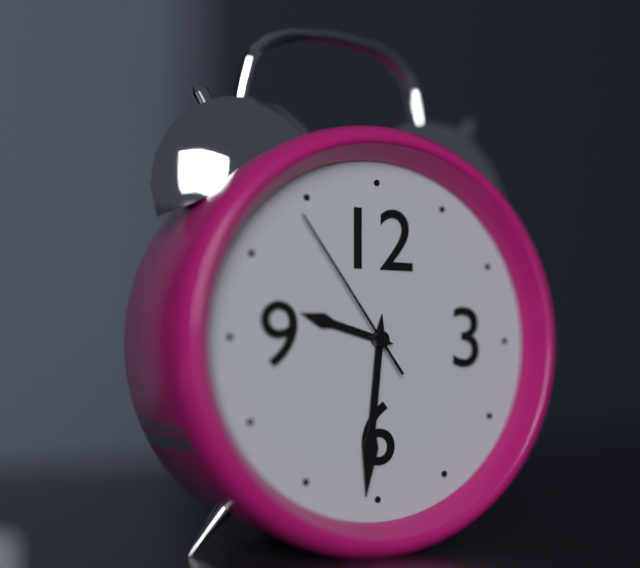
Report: 9:31:54
